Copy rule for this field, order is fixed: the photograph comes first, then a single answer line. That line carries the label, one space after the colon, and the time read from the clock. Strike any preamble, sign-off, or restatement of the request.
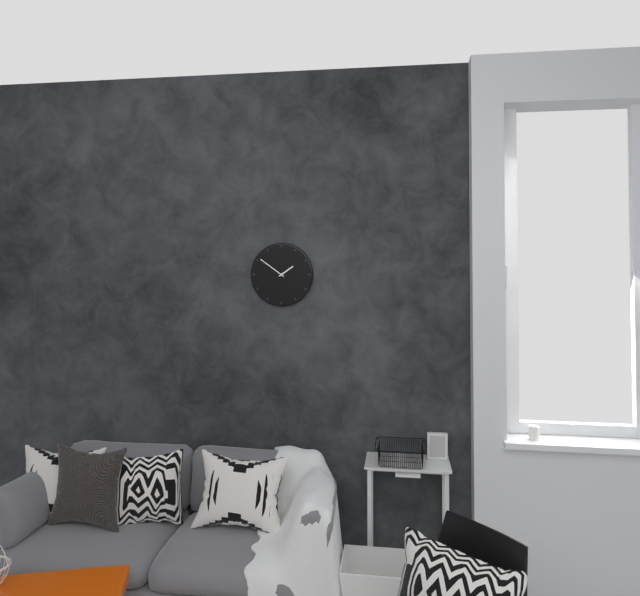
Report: 1:51
